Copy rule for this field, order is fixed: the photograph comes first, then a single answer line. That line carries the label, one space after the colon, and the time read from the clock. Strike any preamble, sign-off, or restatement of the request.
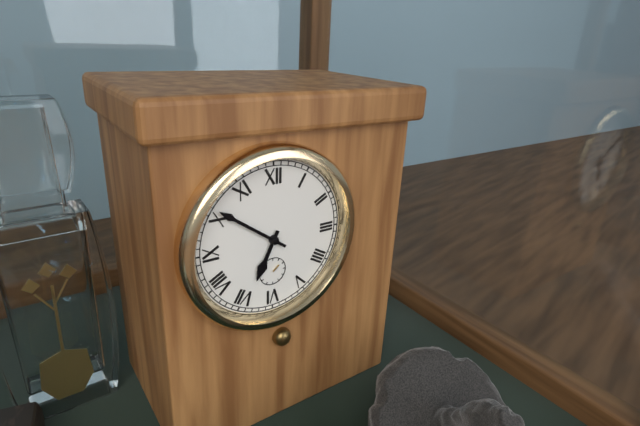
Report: 6:51
